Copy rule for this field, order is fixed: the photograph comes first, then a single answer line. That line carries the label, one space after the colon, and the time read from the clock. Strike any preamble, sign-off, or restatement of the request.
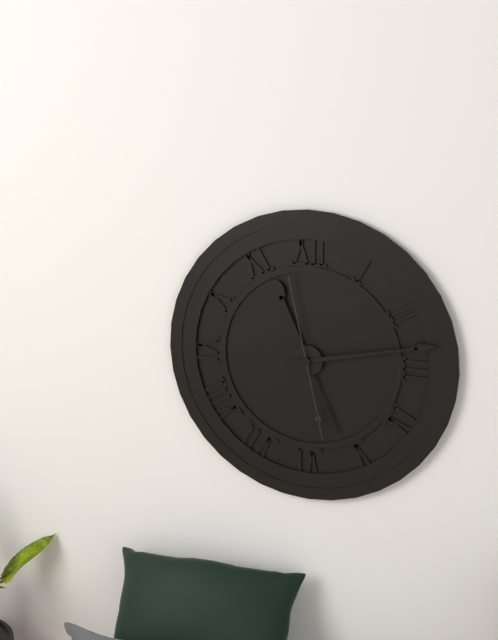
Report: 11:13:58
